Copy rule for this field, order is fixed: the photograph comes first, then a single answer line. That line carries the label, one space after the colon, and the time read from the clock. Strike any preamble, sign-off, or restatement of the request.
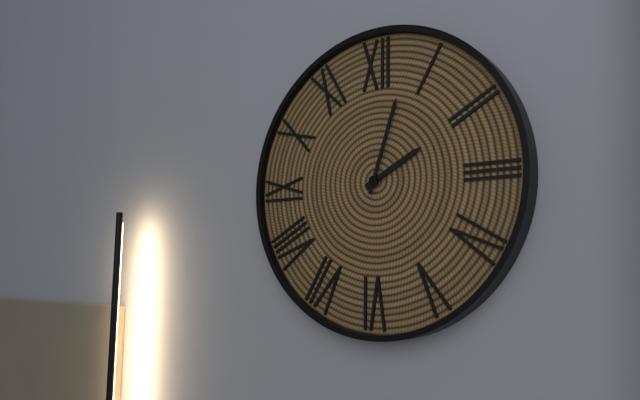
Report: 2:03
